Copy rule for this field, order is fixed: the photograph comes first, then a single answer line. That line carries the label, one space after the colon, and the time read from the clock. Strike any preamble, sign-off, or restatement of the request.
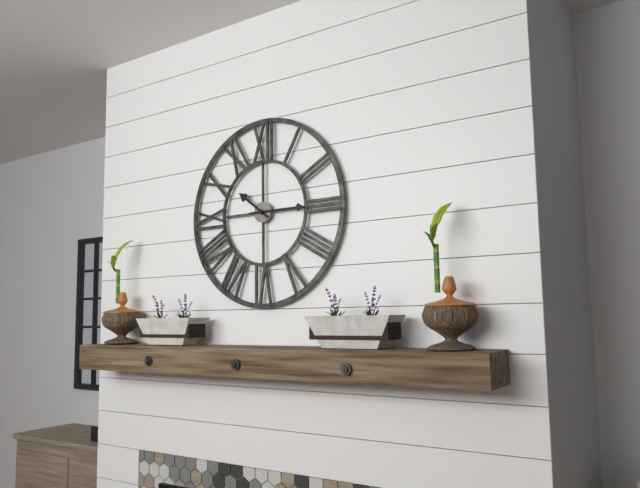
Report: 10:15
